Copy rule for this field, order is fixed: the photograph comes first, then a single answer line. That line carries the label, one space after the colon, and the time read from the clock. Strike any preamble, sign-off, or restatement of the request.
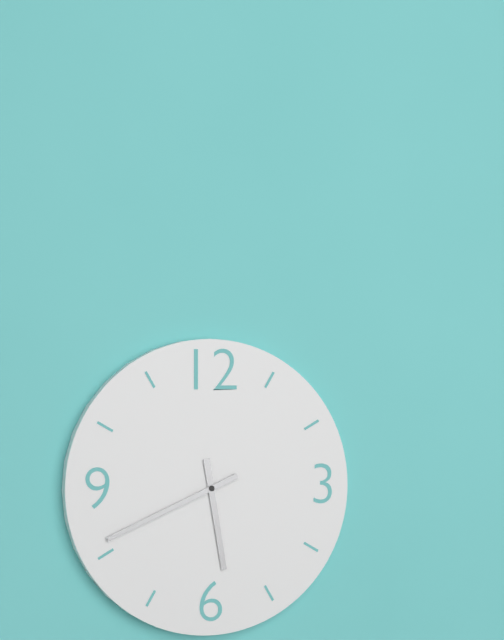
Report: 5:41
